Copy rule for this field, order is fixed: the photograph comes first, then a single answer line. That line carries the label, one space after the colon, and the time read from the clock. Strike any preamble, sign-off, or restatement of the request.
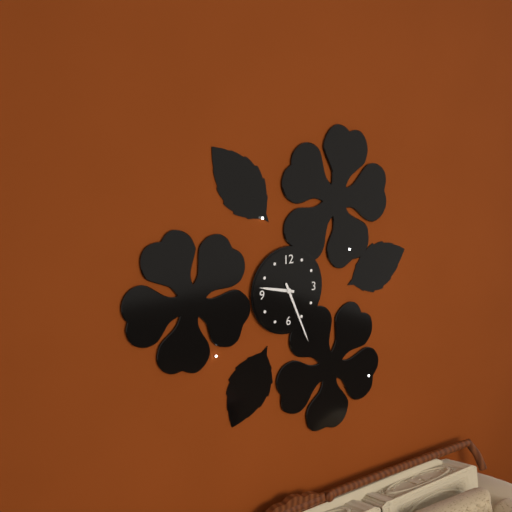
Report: 9:26
